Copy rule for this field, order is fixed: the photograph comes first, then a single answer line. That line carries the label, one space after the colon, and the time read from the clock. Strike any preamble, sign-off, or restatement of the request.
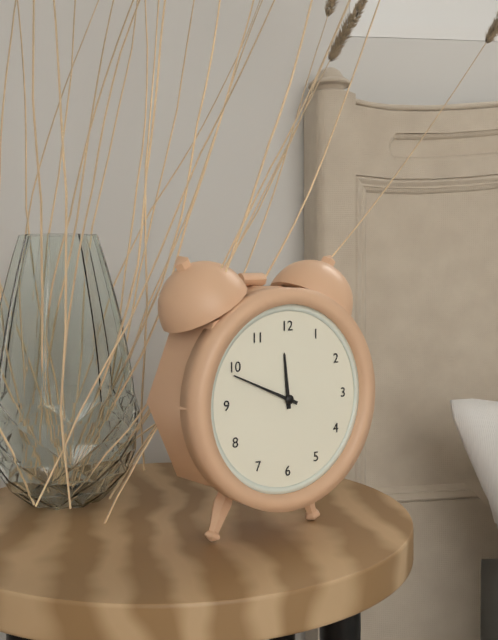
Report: 11:49
